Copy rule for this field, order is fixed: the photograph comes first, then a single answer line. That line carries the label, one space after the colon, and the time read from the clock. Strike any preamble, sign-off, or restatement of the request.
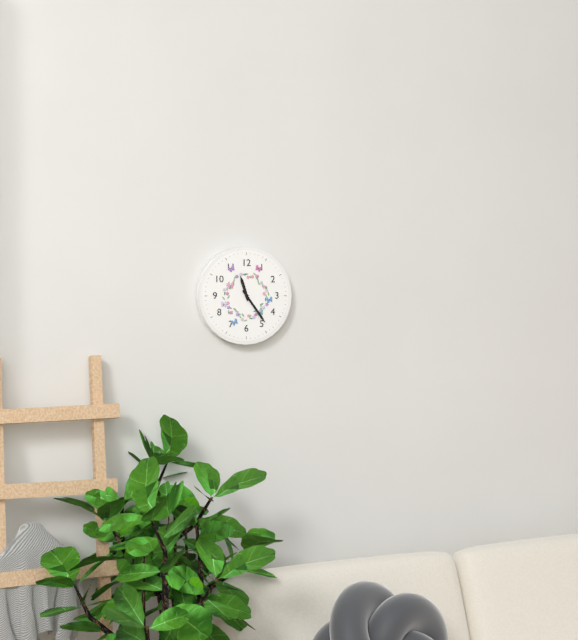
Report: 11:24
